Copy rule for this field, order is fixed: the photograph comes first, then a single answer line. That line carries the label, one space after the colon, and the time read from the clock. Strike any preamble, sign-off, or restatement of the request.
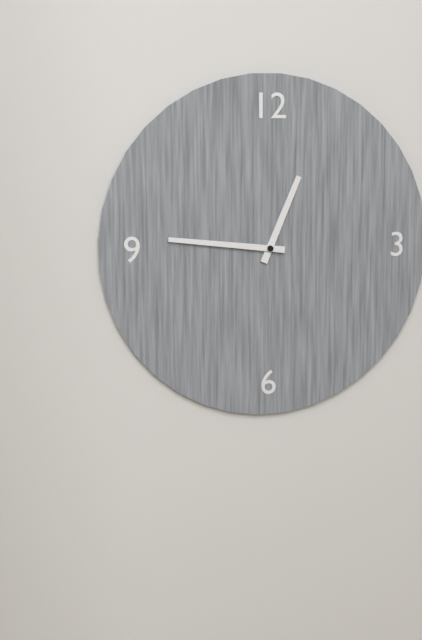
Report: 12:46
